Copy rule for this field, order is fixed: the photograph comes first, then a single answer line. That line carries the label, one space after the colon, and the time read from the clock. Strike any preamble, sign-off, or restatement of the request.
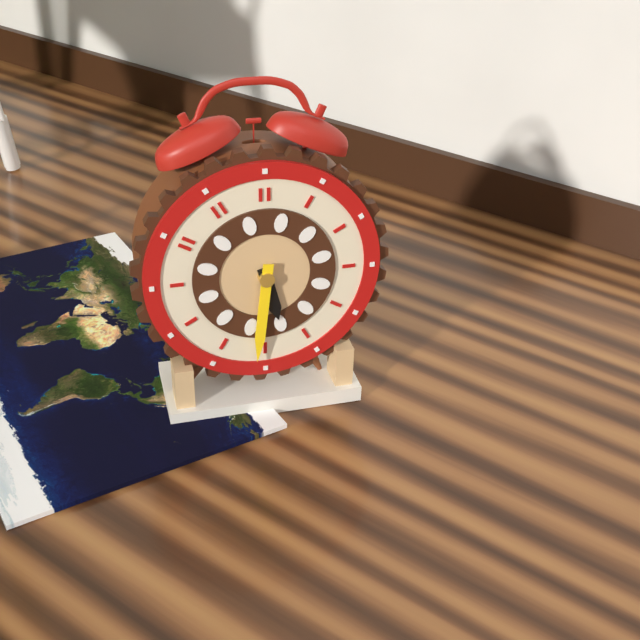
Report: 5:31
